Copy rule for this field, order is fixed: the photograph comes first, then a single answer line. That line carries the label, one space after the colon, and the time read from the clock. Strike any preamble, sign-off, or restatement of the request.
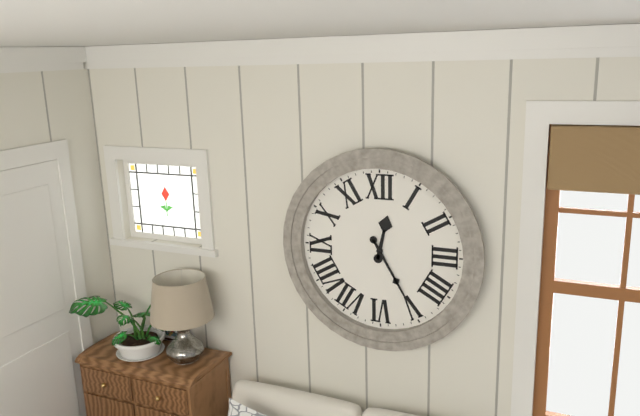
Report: 12:25
